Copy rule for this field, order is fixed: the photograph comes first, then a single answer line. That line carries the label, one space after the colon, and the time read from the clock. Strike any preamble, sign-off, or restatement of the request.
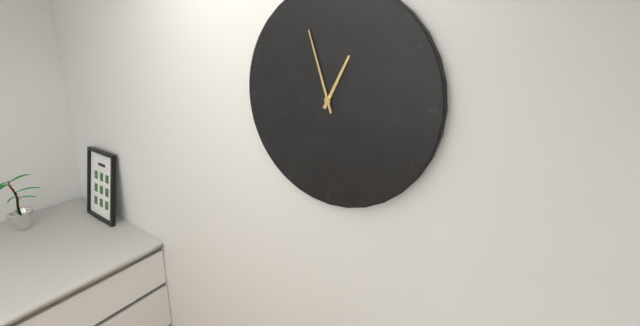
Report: 12:57
